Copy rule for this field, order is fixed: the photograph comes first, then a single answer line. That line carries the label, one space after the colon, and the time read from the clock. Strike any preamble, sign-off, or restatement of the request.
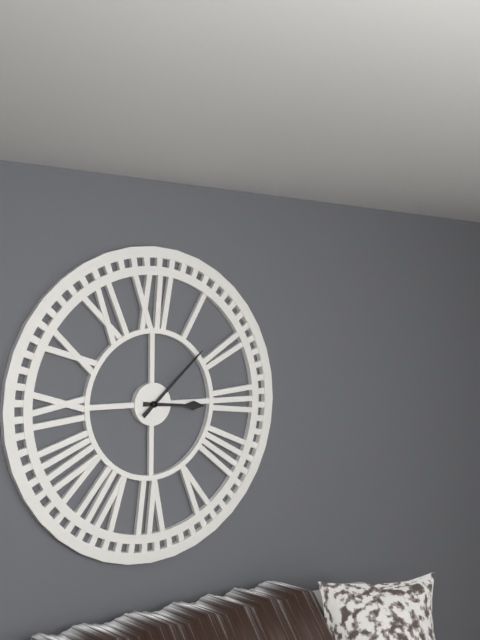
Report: 3:08
